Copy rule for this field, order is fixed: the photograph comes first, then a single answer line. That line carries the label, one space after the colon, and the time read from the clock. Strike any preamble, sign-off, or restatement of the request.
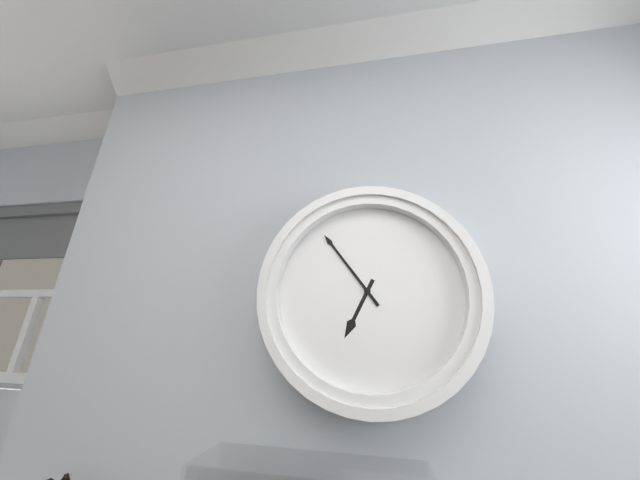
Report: 6:54
